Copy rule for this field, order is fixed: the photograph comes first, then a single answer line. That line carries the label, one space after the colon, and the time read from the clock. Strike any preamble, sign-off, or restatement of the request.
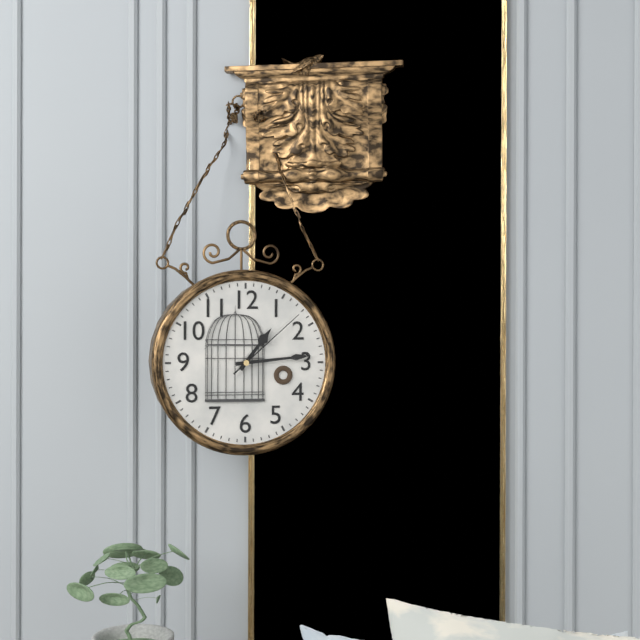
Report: 1:14:08
